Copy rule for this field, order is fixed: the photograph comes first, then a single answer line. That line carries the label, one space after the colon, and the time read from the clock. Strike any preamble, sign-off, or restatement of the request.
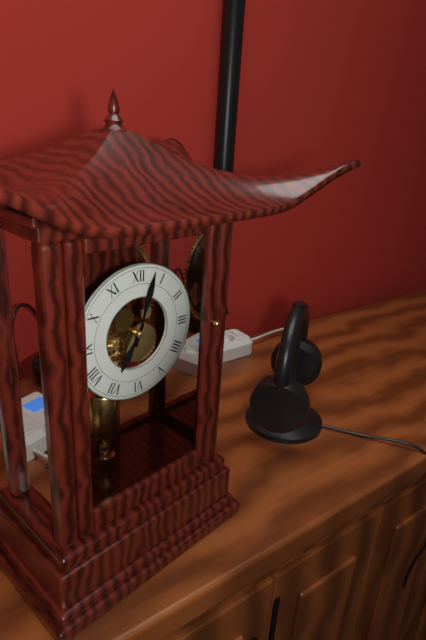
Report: 7:03
